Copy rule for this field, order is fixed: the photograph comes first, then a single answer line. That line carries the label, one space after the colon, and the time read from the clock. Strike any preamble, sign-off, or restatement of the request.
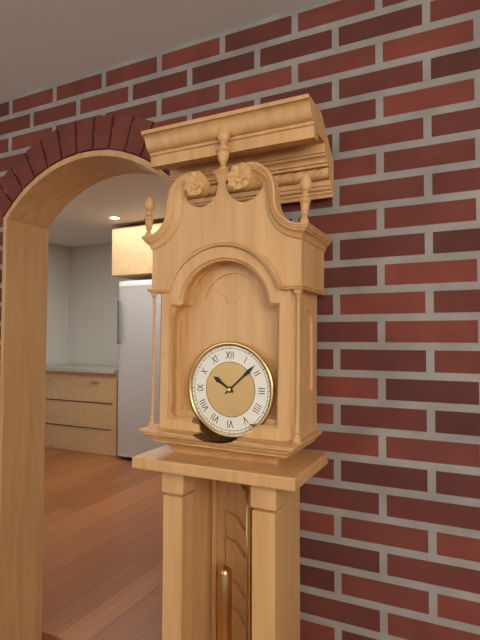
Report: 10:08
